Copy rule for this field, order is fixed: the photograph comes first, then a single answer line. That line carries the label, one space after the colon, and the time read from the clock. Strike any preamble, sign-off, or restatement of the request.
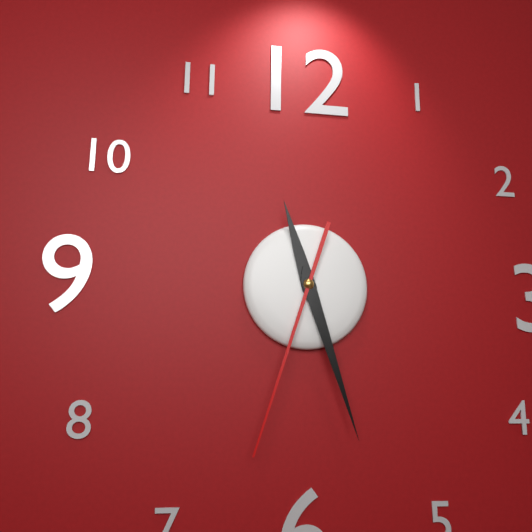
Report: 11:27:33
